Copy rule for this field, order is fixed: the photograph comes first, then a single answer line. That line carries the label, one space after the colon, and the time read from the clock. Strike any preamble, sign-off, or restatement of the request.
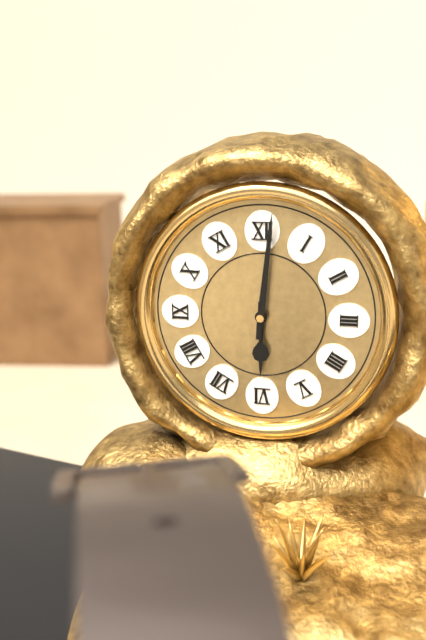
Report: 6:01
